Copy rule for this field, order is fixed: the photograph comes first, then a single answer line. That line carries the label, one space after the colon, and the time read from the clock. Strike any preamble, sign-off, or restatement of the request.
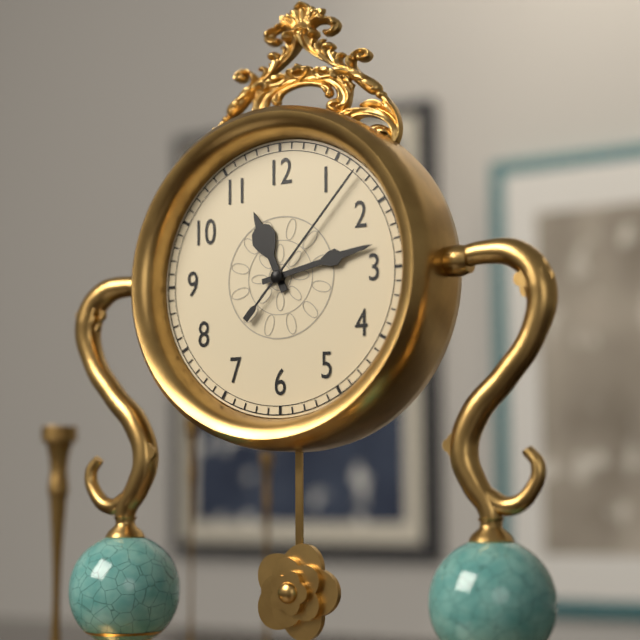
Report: 11:13:07
